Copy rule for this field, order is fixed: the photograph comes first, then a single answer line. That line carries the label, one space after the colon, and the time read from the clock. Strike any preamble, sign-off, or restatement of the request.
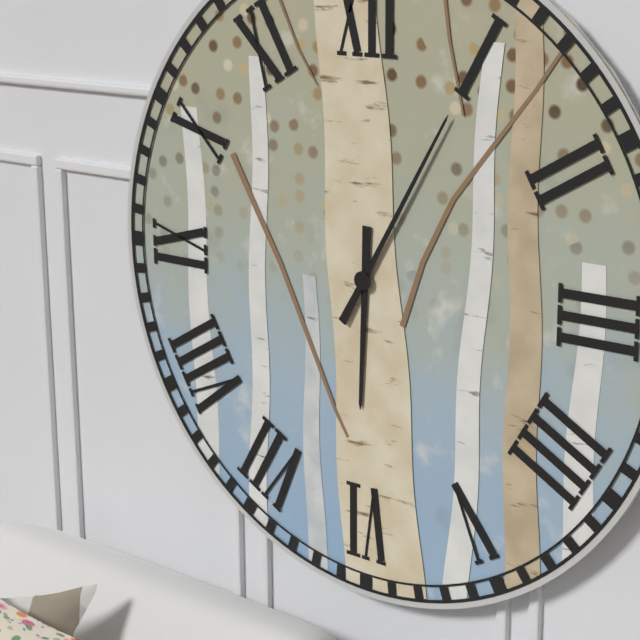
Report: 6:05
